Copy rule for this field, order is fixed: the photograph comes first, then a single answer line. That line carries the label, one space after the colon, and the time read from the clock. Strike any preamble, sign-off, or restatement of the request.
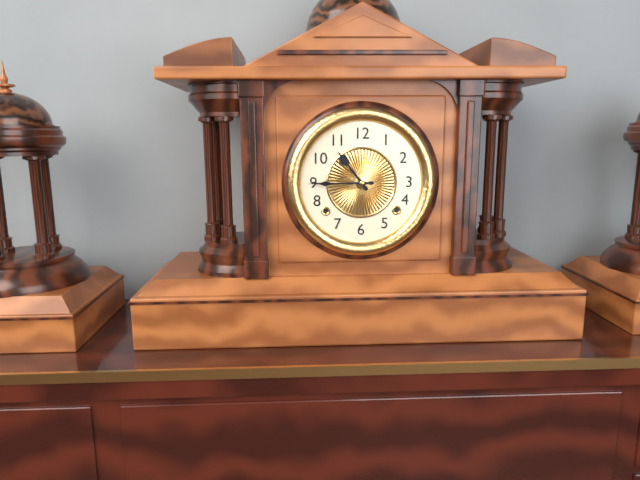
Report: 10:45
